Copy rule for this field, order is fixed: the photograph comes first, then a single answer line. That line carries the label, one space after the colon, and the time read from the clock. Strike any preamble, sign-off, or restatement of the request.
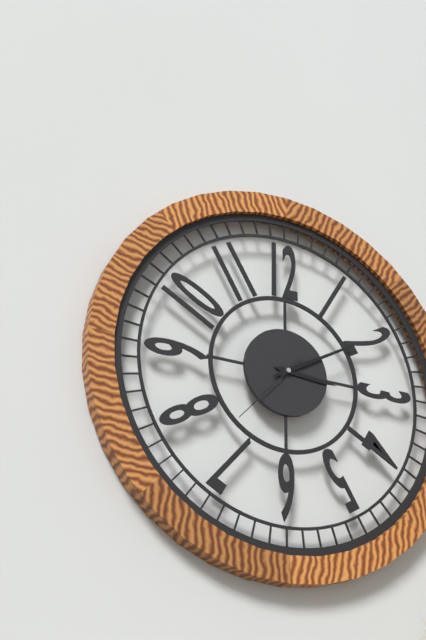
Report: 3:10:37
